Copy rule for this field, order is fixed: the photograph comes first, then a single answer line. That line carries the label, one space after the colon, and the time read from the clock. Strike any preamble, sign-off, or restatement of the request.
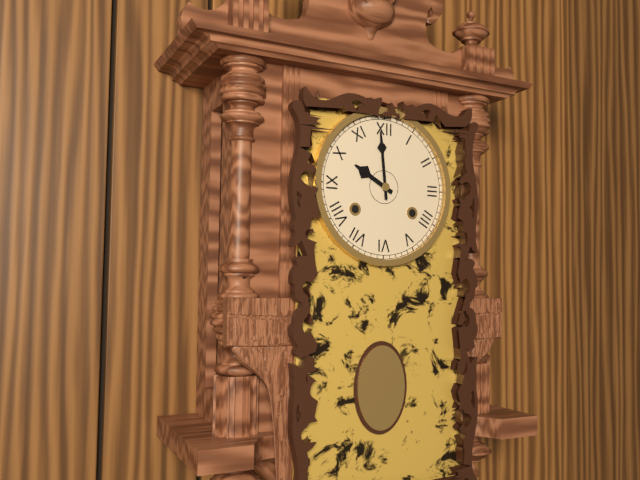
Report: 9:59
